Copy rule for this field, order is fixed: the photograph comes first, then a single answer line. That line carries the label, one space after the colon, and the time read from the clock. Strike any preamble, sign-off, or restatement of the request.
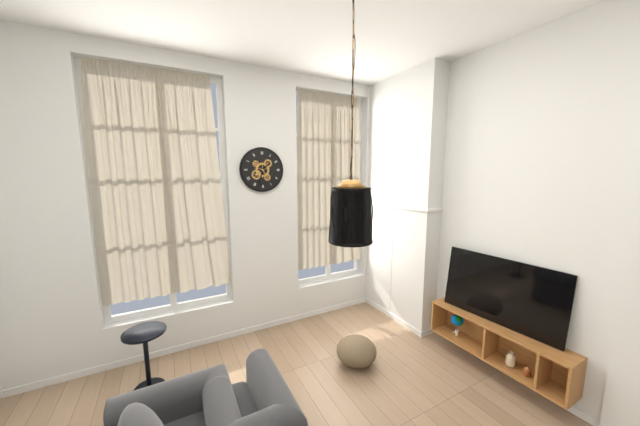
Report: 1:33
